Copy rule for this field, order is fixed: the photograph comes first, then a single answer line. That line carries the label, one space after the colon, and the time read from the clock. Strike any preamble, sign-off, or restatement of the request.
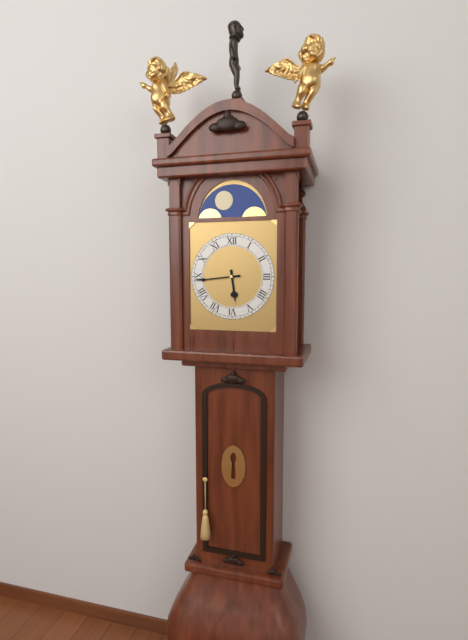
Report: 5:44
